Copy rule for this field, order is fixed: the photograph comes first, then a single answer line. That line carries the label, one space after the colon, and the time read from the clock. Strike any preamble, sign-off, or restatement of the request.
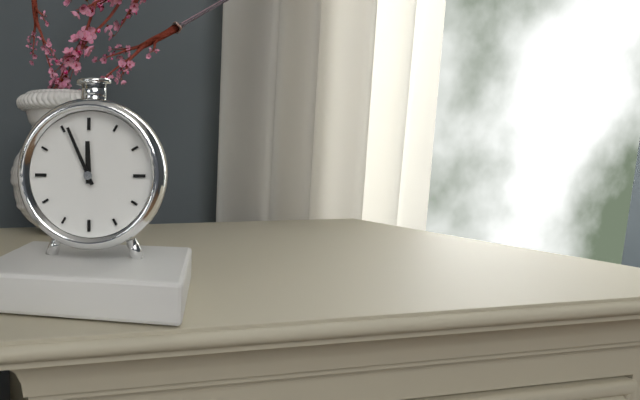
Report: 11:56
